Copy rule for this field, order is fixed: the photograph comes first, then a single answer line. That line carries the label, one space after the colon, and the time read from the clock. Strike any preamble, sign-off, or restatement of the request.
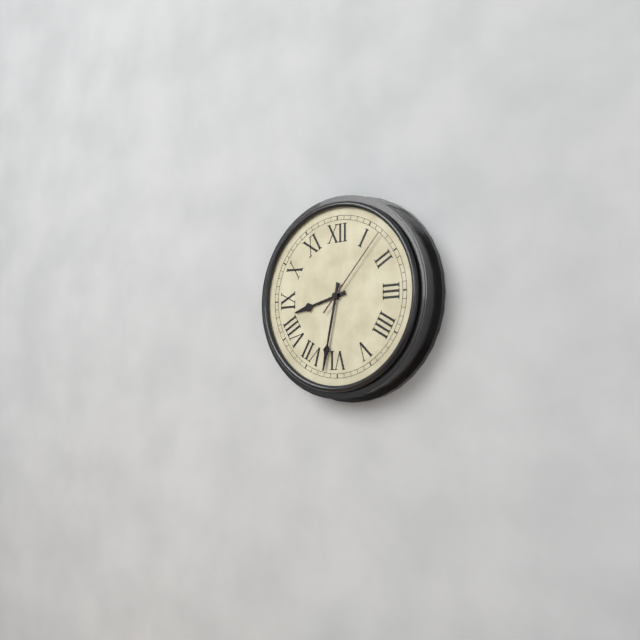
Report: 8:32:07
